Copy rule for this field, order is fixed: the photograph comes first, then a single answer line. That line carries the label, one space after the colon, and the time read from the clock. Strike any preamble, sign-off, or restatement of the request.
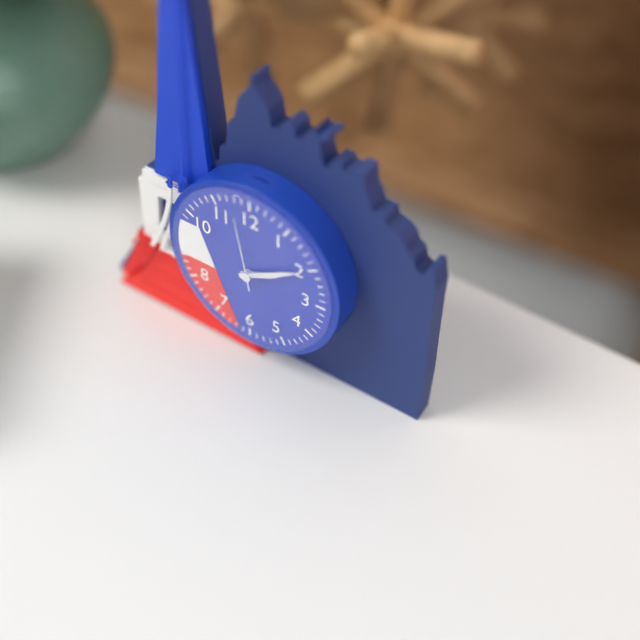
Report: 2:10:58
